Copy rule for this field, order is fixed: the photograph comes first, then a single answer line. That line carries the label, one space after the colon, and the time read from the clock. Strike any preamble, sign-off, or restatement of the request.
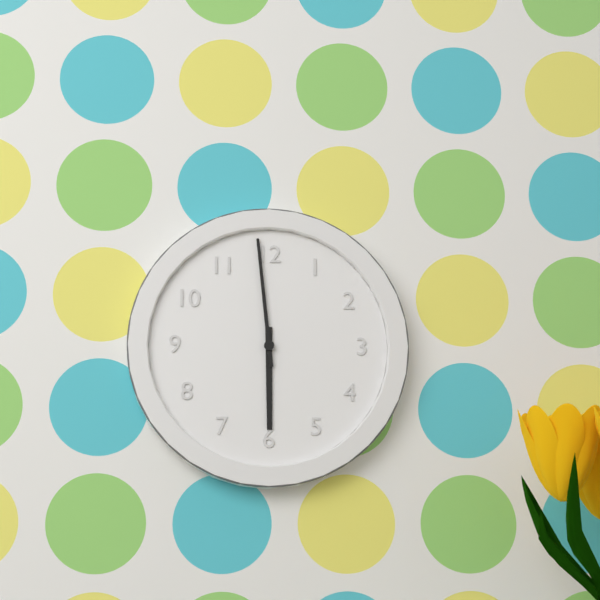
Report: 5:59
